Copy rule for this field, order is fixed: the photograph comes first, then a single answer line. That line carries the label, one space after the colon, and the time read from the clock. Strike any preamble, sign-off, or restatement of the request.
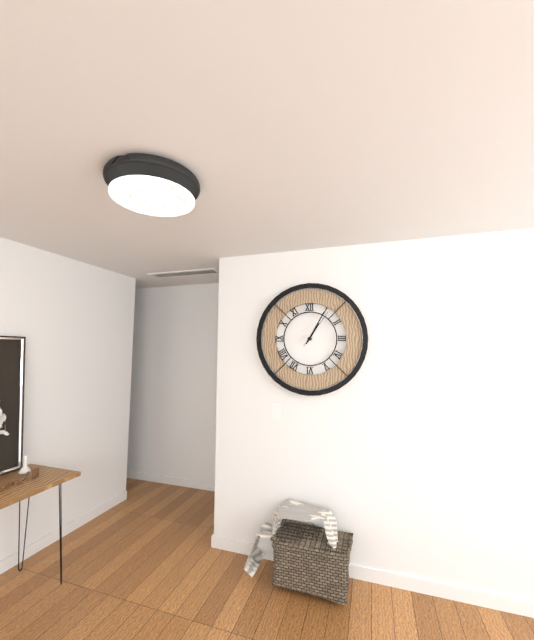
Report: 1:05
